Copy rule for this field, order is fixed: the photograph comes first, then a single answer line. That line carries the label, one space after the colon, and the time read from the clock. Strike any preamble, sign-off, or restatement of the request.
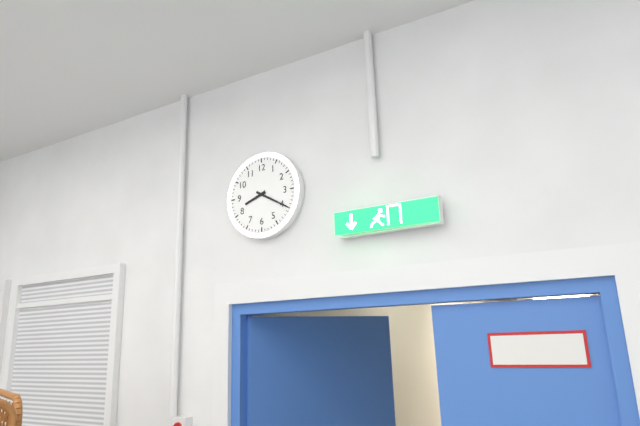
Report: 8:20
